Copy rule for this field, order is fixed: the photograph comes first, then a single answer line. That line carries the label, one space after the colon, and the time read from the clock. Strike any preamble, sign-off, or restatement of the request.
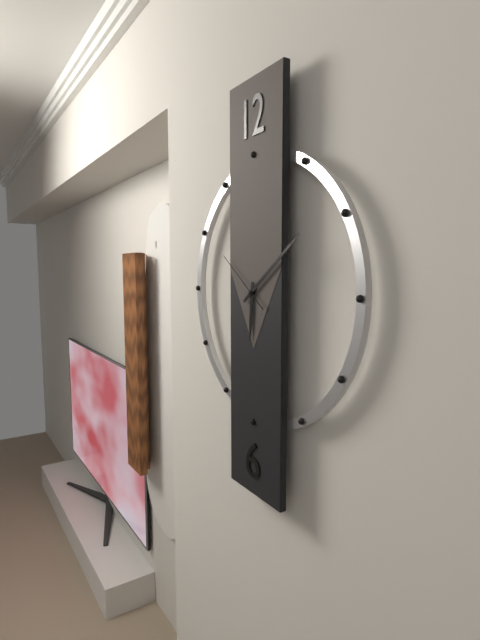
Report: 6:09:51
